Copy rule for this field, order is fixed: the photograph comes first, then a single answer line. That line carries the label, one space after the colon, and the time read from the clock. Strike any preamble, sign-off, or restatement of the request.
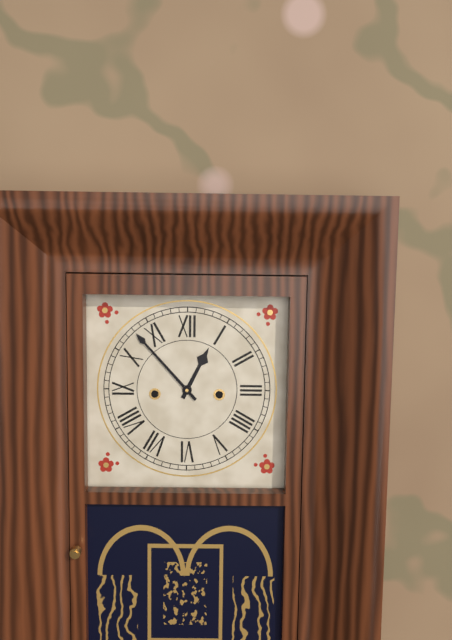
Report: 12:53
